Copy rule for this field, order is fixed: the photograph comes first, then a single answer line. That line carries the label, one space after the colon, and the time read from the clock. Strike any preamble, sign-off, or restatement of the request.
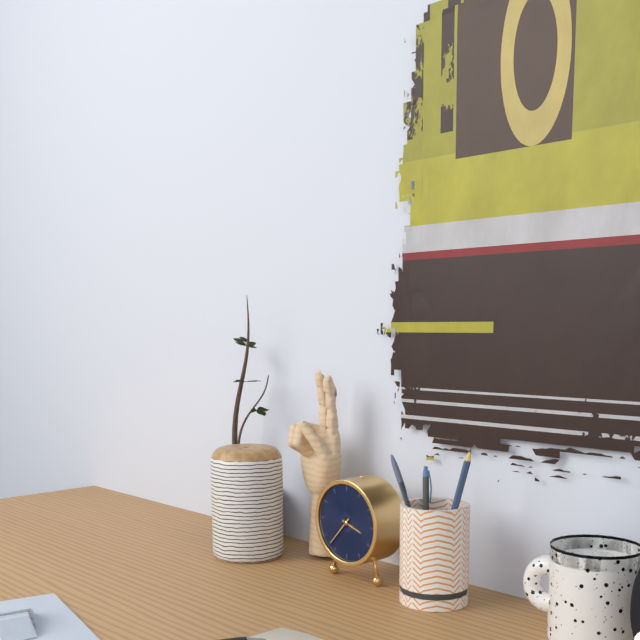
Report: 3:37
